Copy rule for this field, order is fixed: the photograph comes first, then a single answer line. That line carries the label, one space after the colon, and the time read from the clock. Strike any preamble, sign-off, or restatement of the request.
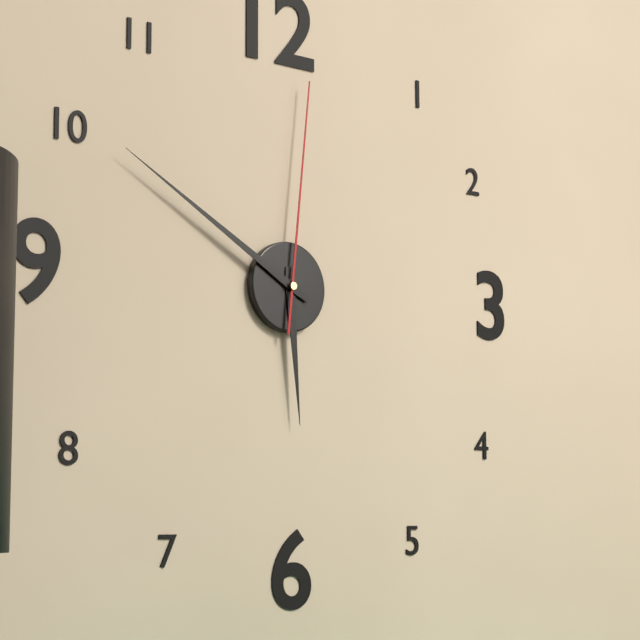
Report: 5:50:01
